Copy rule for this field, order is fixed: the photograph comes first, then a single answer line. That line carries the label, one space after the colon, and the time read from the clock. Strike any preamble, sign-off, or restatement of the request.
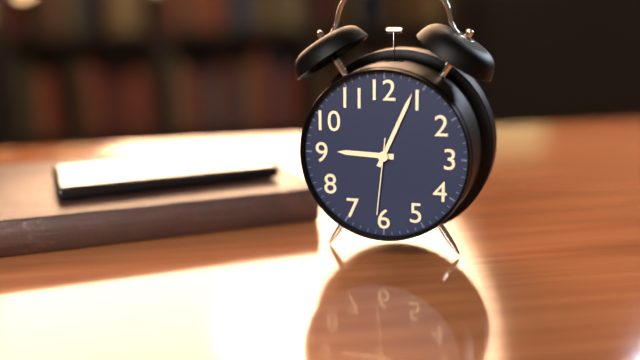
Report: 9:04:31
